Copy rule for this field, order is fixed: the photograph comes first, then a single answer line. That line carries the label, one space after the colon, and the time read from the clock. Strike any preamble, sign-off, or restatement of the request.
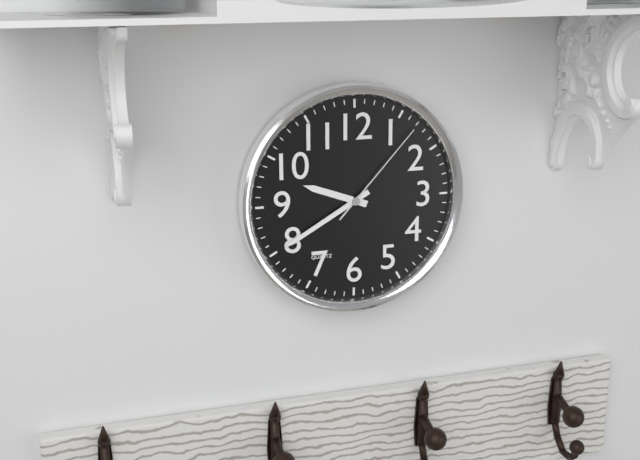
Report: 9:40:07
